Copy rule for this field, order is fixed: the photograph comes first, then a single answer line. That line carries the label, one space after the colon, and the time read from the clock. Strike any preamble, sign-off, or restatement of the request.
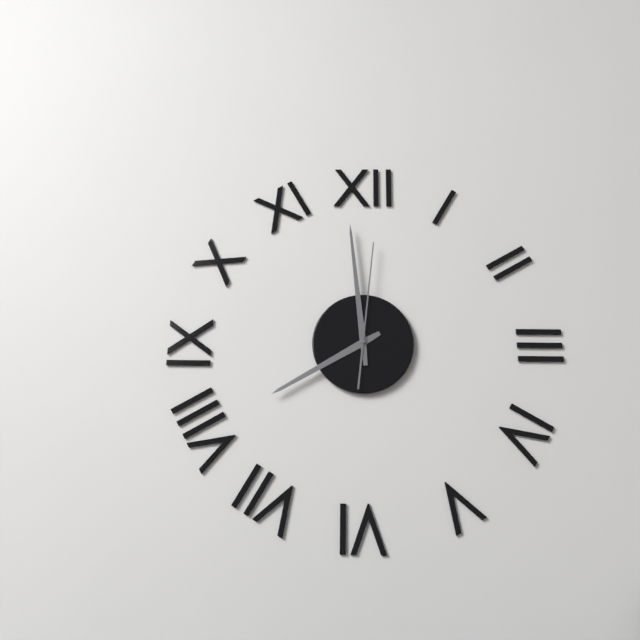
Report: 7:59:01
